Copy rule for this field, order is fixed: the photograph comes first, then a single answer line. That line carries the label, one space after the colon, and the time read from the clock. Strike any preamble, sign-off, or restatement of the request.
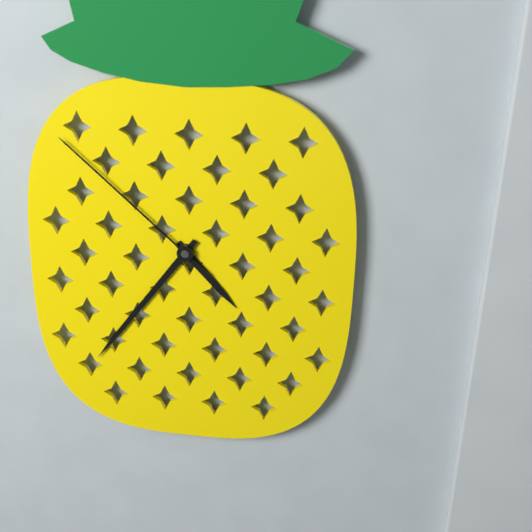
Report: 4:36:52
